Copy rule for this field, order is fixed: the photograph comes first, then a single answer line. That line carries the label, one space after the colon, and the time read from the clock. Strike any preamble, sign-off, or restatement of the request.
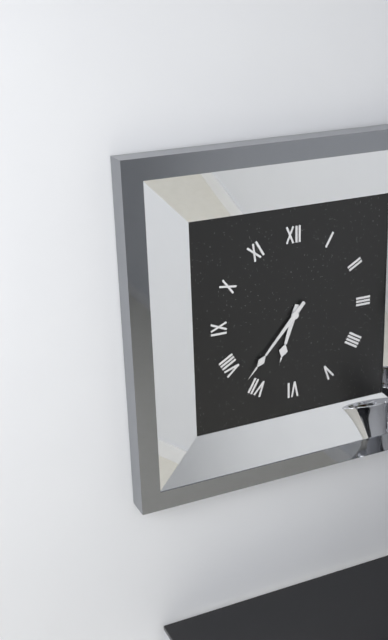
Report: 6:37
